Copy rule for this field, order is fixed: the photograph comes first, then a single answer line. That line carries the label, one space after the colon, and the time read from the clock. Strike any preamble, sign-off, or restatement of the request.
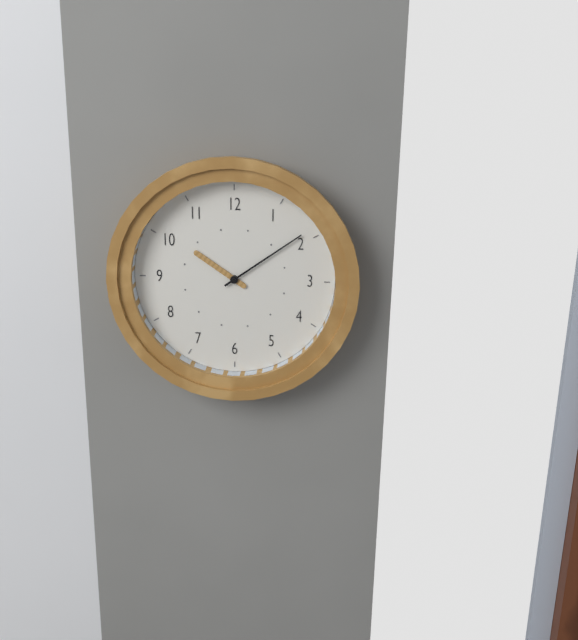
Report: 10:09
